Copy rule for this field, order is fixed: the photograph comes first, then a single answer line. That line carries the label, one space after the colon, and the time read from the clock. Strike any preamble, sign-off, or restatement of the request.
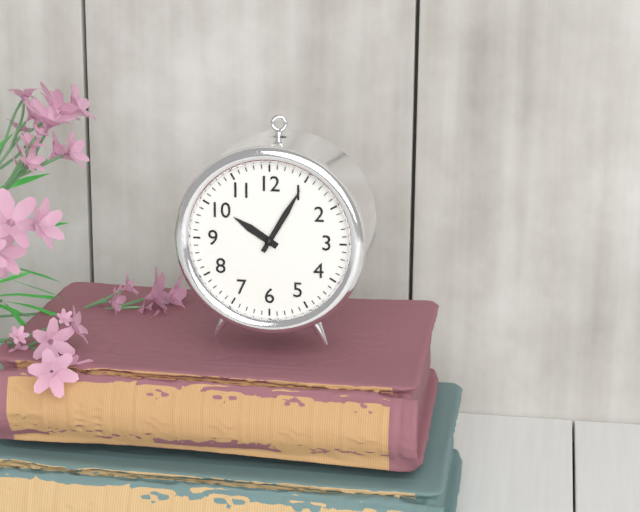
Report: 10:05
